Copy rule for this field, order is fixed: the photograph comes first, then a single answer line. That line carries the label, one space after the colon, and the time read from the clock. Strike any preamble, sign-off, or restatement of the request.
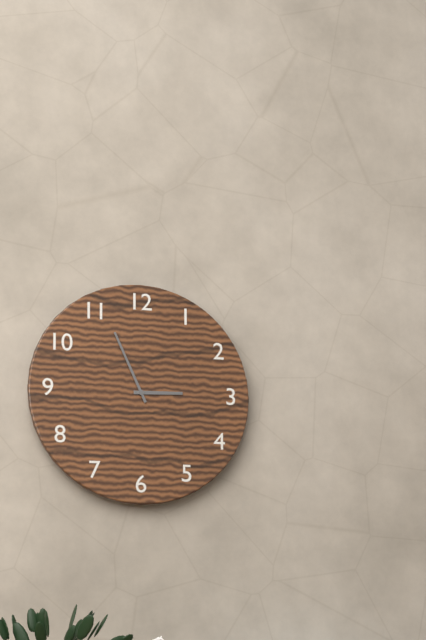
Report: 2:56
